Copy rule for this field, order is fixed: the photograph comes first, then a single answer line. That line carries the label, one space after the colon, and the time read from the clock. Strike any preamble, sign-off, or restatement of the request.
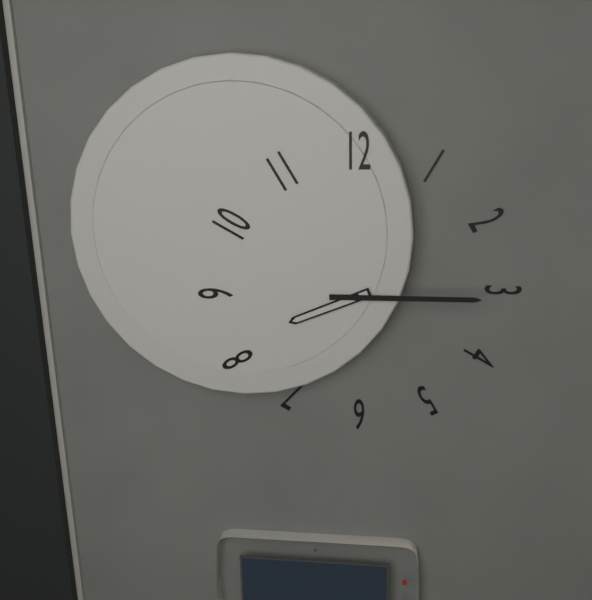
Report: 8:15
